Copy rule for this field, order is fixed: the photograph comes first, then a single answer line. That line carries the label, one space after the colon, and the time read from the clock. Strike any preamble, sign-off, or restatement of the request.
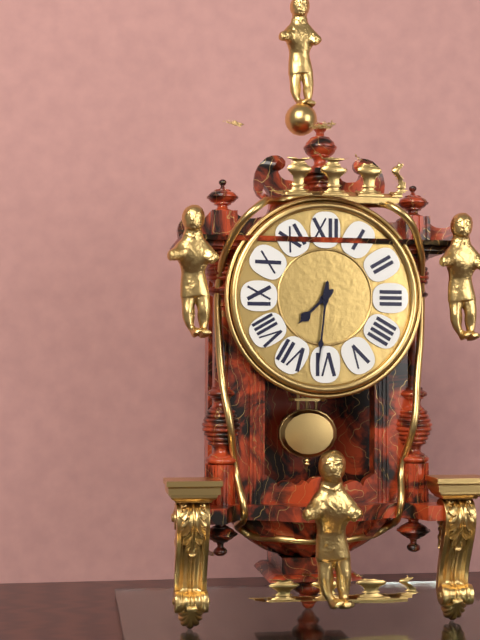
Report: 7:31
